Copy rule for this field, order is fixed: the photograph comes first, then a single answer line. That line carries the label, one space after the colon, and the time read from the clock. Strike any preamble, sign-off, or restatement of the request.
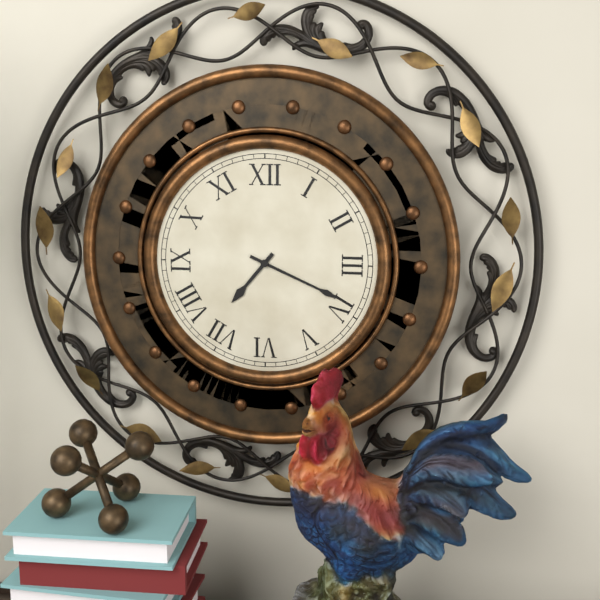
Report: 7:19
